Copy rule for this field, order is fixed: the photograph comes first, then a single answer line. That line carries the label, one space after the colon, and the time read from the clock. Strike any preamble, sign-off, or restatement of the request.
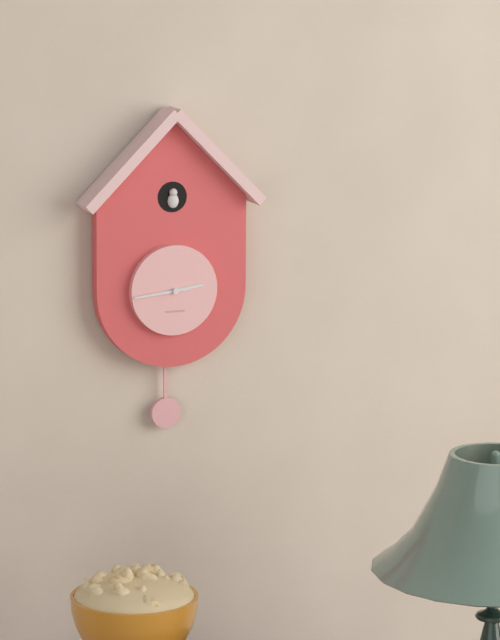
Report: 2:44
